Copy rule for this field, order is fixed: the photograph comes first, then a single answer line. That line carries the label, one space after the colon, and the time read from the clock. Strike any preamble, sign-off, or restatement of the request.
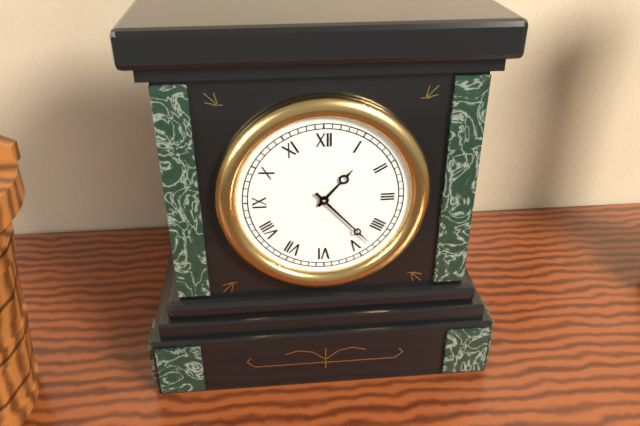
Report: 1:23
